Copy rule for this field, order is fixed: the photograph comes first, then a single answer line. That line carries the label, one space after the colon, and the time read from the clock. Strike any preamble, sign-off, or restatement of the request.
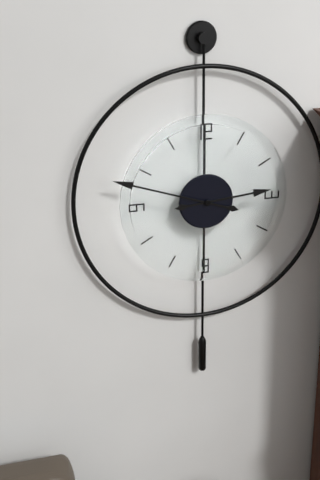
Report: 2:48
